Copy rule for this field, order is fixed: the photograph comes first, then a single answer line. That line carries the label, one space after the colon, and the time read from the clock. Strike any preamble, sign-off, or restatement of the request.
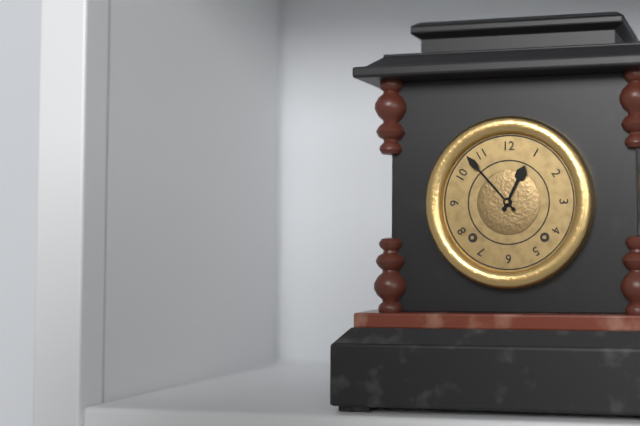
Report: 12:53
